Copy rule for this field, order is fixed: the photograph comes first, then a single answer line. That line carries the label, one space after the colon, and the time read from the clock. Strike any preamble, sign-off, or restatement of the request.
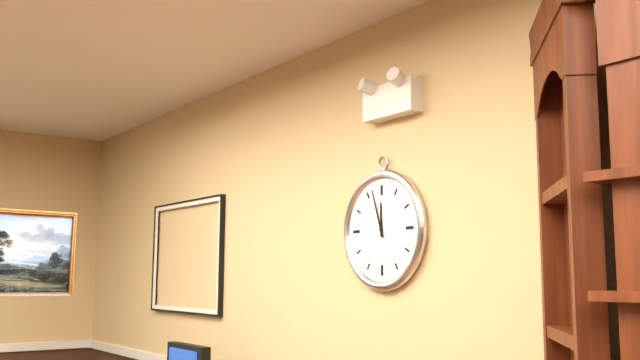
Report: 11:57
